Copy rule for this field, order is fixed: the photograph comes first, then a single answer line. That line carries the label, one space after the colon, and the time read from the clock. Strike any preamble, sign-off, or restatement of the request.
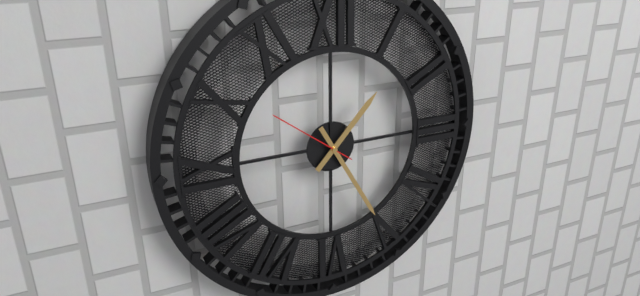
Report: 1:25:51
